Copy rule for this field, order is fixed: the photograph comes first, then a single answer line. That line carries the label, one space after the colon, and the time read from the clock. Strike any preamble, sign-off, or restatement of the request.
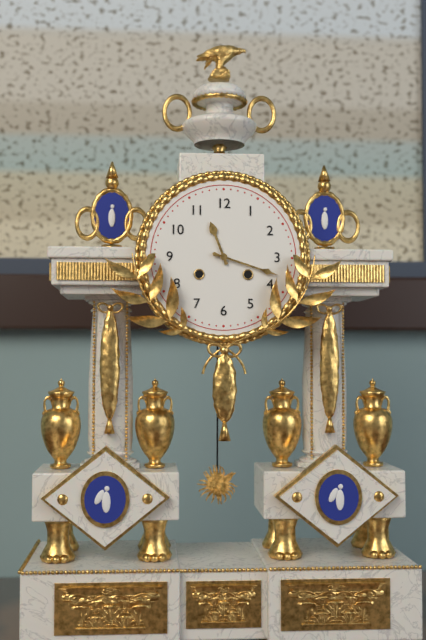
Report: 11:18
